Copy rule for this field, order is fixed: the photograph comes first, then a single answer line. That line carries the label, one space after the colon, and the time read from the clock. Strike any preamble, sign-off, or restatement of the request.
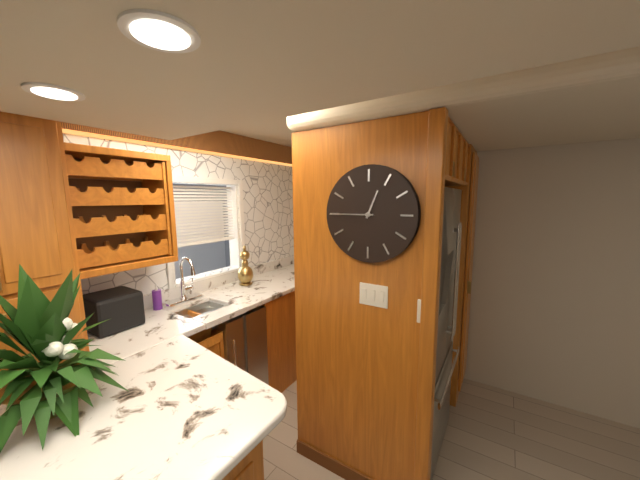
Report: 12:45
